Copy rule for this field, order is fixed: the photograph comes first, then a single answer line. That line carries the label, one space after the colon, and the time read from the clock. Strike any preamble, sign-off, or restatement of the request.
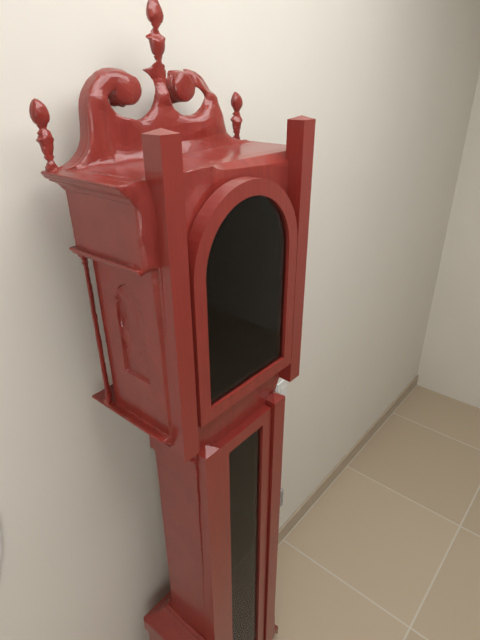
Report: 8:14
